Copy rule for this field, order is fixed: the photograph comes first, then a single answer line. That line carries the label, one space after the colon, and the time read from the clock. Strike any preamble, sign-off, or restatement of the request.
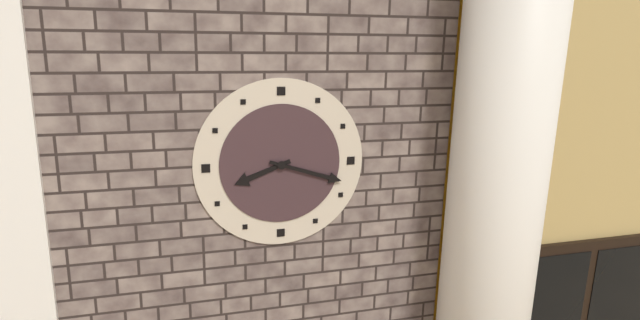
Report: 8:18
